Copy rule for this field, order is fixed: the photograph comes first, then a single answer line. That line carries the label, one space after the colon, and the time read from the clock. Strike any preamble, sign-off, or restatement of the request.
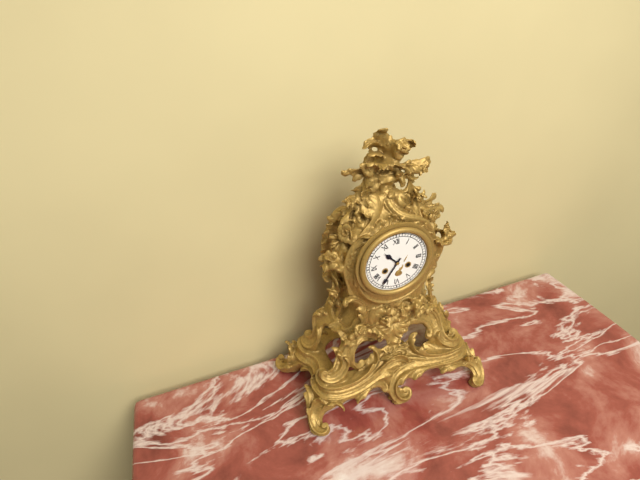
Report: 10:36
